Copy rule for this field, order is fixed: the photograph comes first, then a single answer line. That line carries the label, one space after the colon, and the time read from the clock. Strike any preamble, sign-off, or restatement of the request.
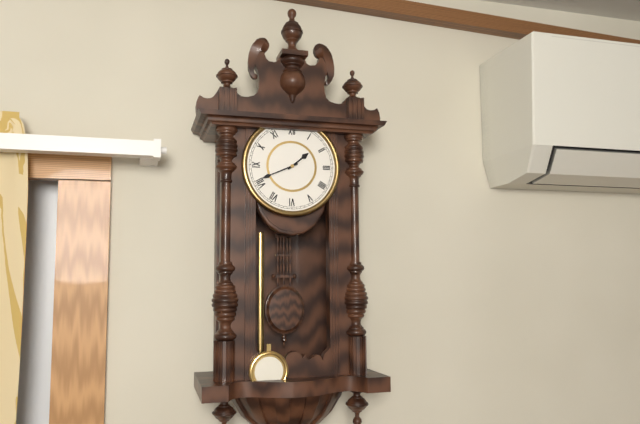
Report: 1:41
